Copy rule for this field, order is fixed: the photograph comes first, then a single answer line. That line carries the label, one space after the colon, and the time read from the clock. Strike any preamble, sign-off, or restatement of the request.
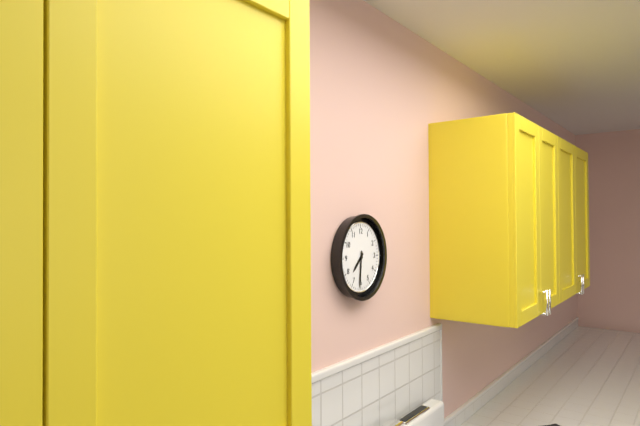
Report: 7:31
